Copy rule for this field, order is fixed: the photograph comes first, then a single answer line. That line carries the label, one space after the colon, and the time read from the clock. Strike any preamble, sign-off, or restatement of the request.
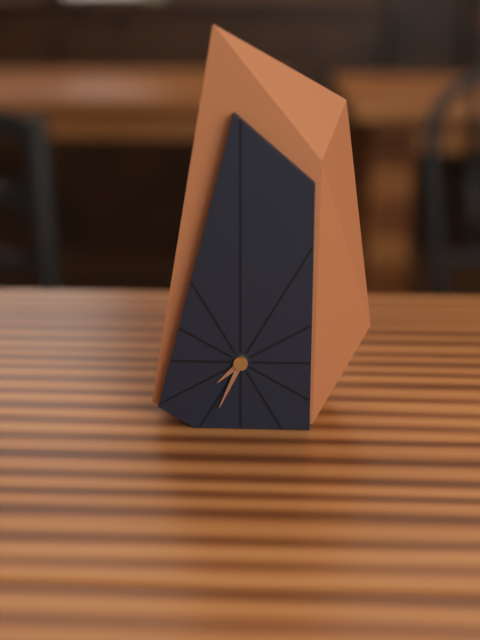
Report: 7:34
